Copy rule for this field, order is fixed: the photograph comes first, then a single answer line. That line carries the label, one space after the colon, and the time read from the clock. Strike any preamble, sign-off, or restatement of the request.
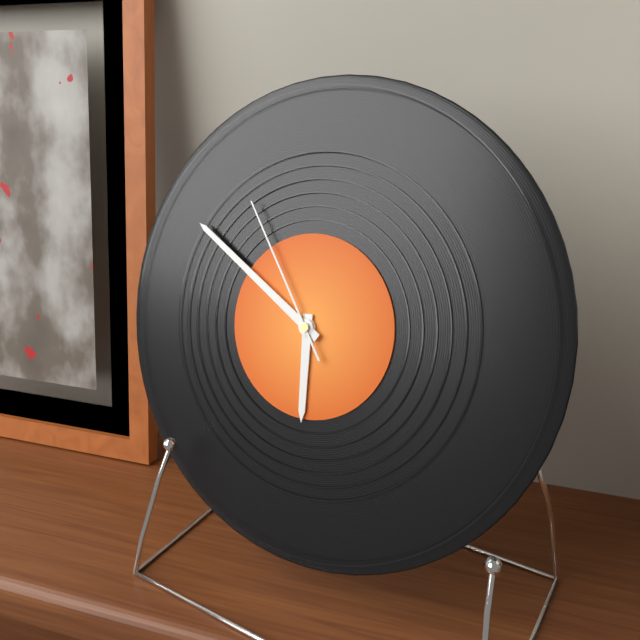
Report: 5:50:54
